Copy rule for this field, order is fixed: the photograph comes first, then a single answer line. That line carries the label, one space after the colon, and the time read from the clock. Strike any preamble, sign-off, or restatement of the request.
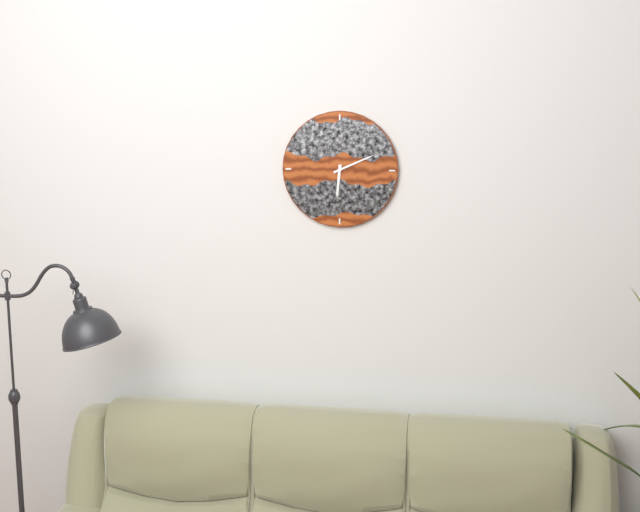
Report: 6:11
